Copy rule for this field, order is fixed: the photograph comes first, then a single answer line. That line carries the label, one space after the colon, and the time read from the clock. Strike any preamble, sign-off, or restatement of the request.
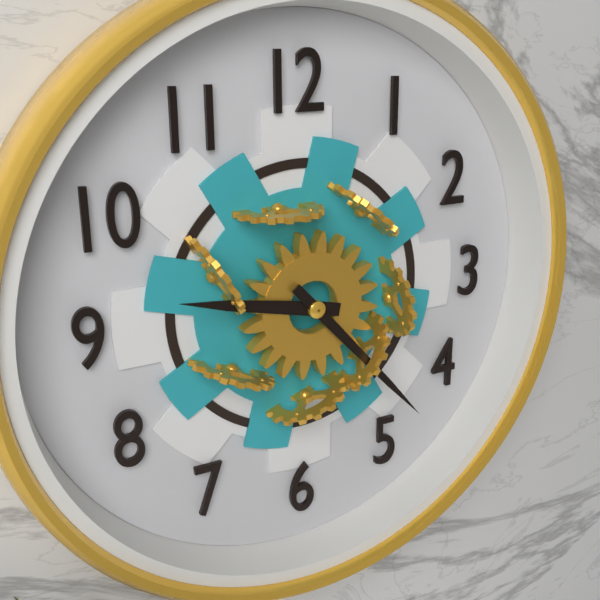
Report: 9:23
